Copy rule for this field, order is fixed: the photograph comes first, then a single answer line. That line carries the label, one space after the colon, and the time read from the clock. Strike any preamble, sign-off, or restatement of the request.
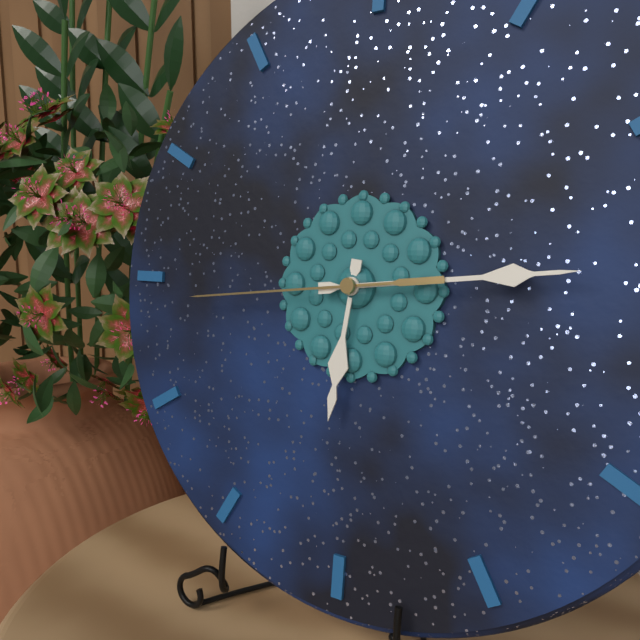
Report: 6:14:44
